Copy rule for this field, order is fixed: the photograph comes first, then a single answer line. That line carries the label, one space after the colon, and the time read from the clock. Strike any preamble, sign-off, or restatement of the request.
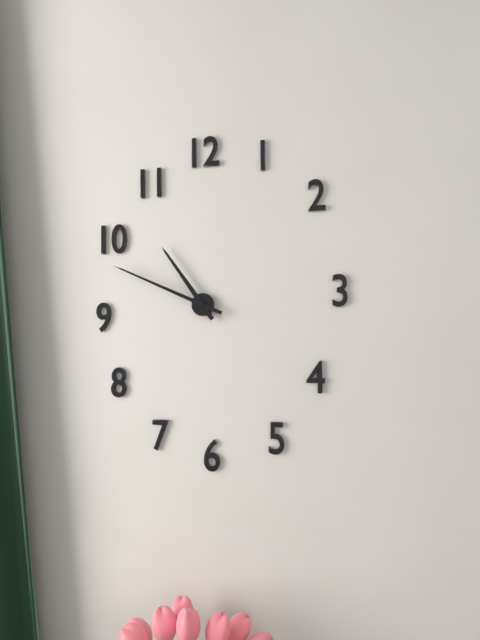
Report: 10:49
